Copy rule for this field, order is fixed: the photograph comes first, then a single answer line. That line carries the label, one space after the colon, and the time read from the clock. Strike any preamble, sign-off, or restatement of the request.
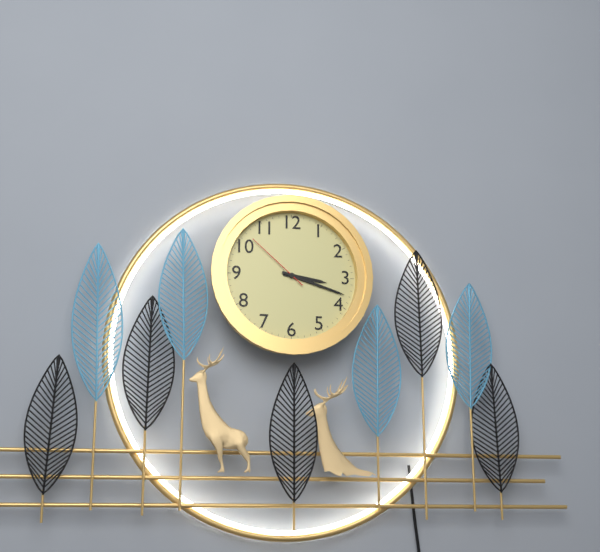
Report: 3:18:52
